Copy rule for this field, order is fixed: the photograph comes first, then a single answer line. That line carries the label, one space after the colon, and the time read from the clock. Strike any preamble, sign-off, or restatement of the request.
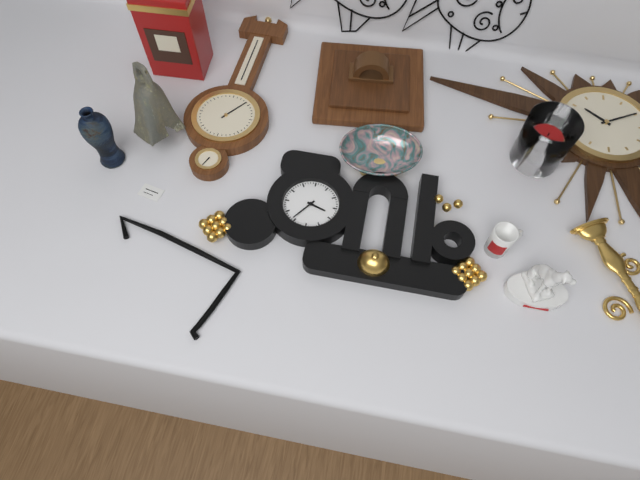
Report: 3:36
